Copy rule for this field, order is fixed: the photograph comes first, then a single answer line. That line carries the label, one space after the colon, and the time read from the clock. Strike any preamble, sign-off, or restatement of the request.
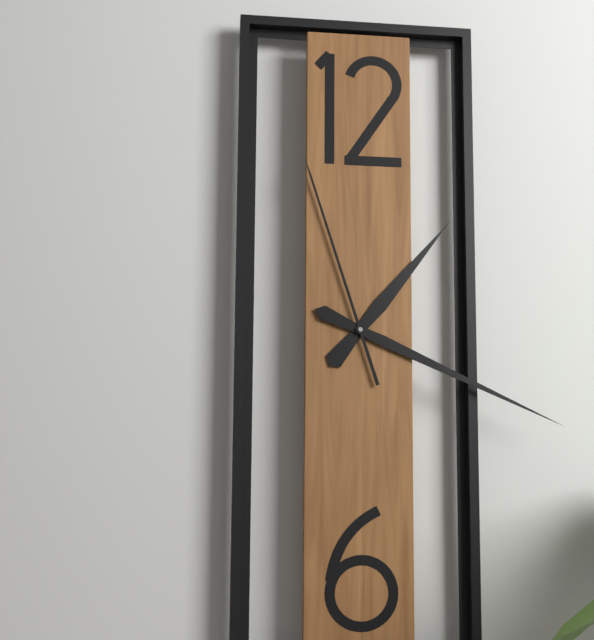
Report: 1:19:57
